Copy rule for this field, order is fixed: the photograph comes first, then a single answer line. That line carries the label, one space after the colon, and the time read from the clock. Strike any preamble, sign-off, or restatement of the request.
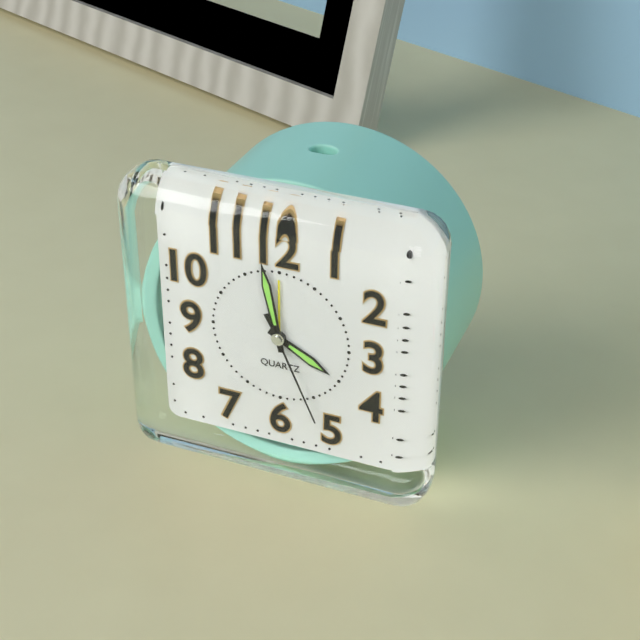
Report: 3:58:26
